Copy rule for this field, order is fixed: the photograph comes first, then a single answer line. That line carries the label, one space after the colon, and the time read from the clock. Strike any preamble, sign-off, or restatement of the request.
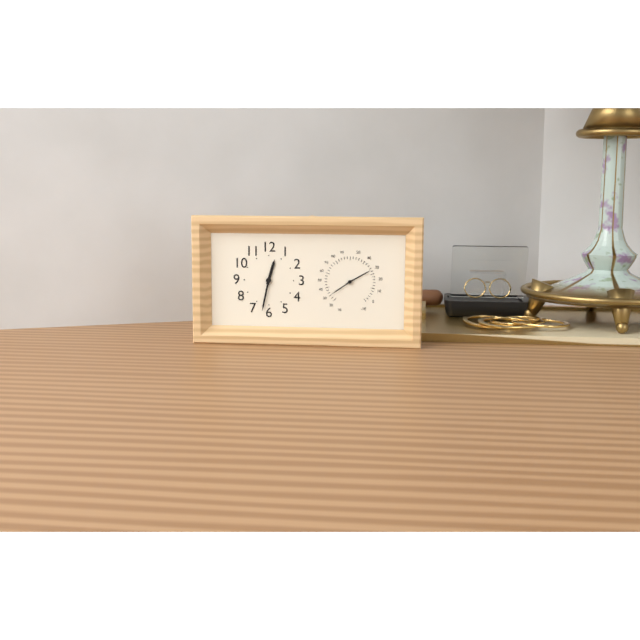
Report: 12:32
